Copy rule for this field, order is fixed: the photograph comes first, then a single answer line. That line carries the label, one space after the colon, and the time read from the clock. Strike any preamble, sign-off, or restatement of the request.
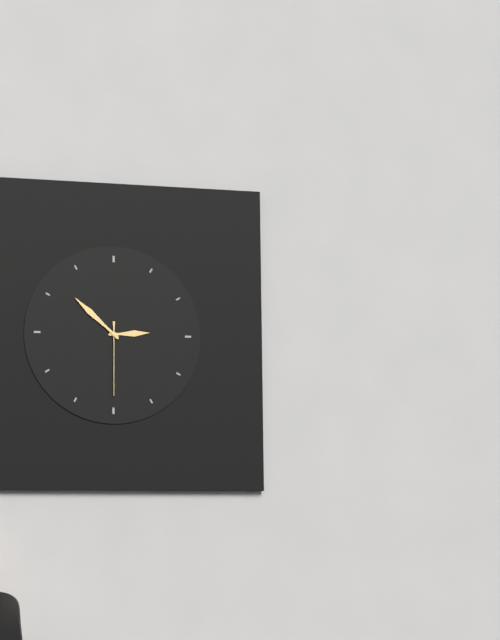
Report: 2:52:30
